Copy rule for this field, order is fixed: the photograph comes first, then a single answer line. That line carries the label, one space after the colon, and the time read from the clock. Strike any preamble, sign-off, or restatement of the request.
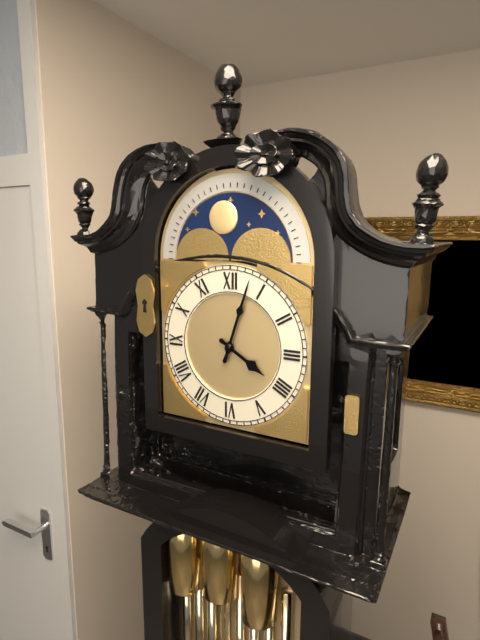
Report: 4:03
